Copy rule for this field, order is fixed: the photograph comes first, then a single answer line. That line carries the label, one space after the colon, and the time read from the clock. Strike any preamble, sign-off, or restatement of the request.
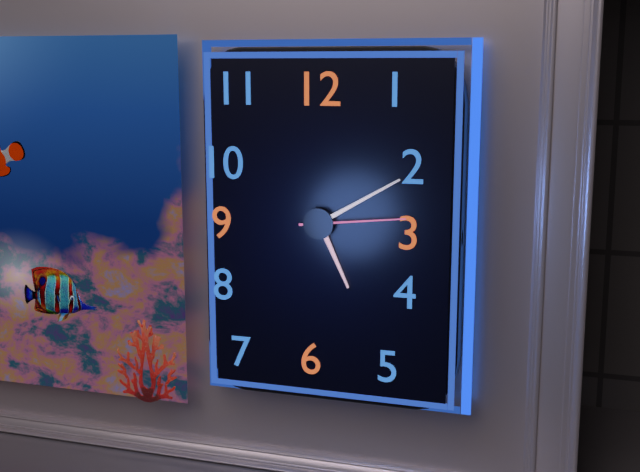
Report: 5:10:14
